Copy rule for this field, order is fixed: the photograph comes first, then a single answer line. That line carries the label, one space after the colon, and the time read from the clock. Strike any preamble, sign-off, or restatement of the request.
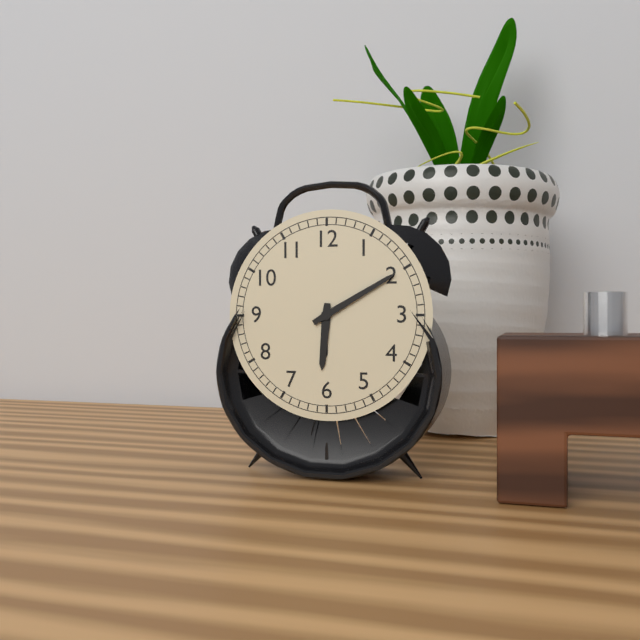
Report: 6:10
